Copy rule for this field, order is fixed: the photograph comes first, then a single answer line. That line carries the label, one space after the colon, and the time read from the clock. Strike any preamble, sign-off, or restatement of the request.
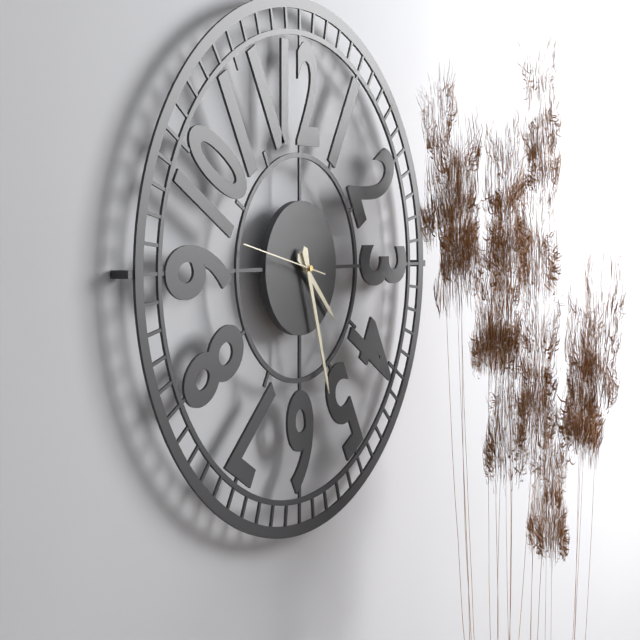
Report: 4:27:47
